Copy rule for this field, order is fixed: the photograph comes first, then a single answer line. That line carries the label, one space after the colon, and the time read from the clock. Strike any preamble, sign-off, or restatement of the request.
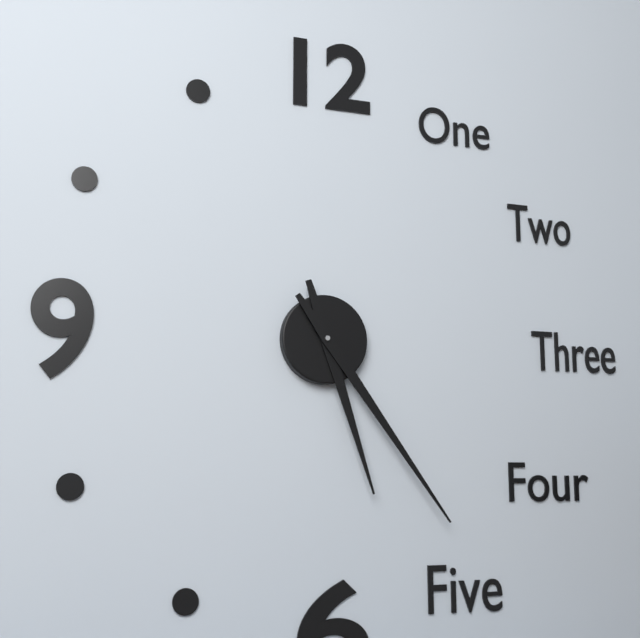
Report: 5:24
